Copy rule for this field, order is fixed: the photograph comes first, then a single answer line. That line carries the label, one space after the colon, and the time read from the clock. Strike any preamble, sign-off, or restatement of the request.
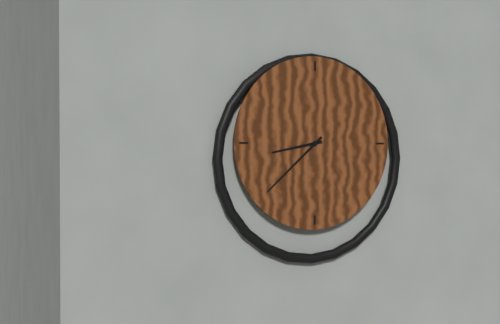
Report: 8:38
